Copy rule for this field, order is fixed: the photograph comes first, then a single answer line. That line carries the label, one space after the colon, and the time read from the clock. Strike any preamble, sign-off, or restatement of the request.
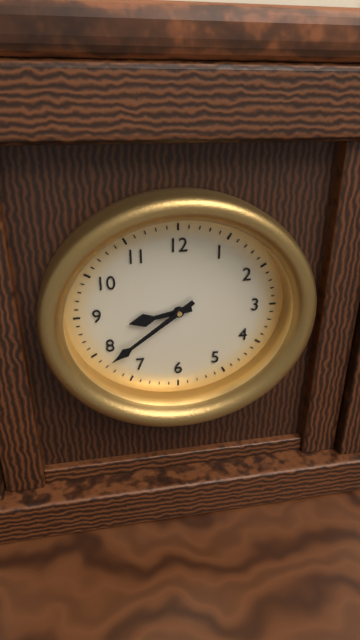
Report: 8:39
